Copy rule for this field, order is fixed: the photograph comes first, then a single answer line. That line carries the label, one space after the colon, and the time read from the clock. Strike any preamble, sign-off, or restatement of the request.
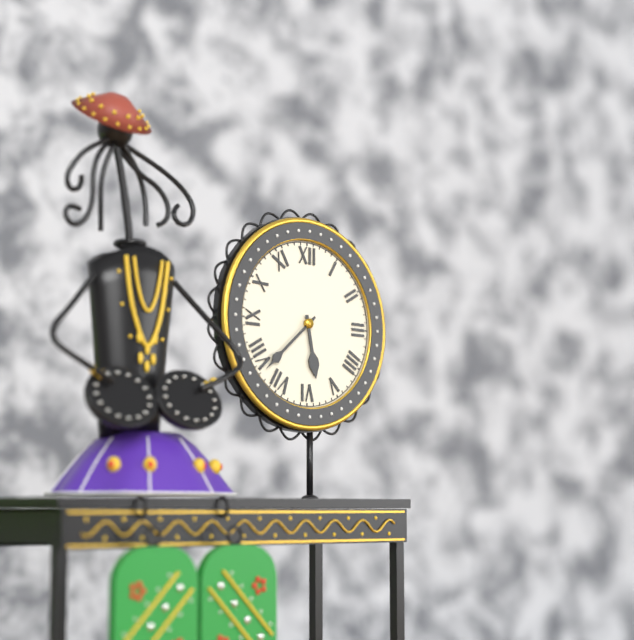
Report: 5:38
